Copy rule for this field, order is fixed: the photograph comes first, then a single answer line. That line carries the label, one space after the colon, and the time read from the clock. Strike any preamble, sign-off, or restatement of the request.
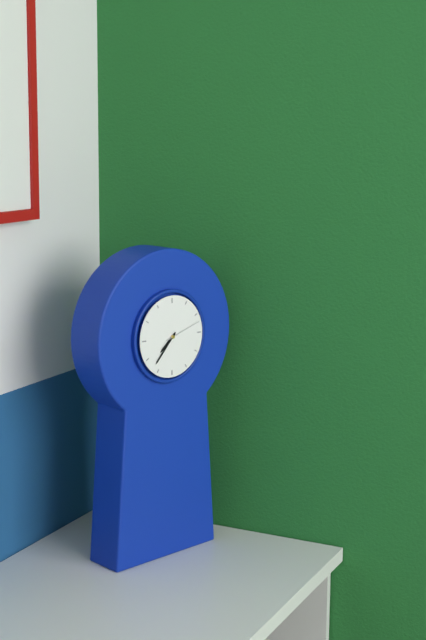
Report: 7:37
